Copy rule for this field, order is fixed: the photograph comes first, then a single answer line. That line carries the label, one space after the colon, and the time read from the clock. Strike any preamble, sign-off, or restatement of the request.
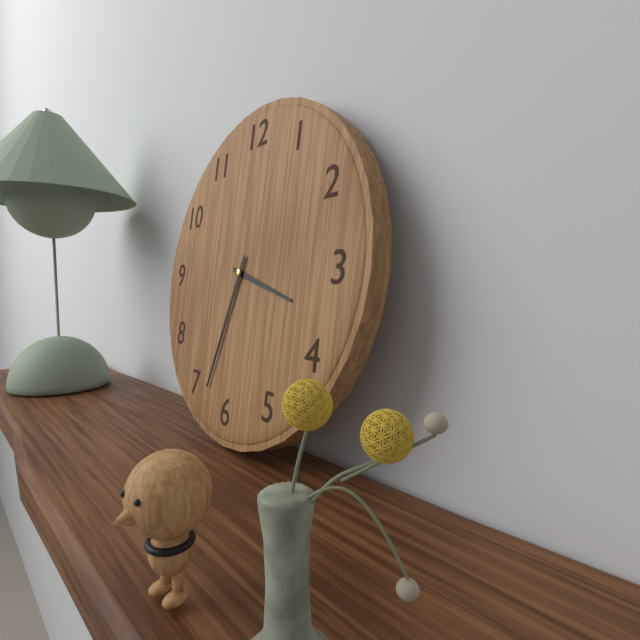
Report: 3:33
